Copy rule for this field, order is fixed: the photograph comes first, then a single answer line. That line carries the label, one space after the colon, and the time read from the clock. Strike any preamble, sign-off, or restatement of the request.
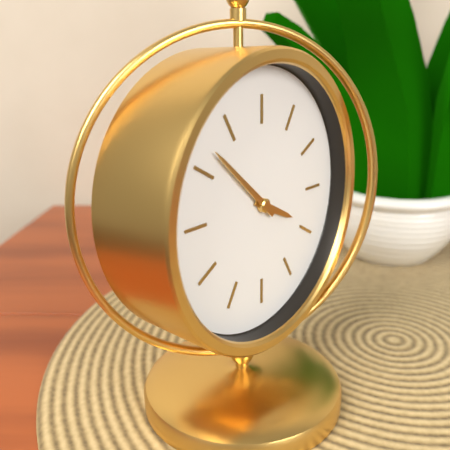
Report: 3:52
